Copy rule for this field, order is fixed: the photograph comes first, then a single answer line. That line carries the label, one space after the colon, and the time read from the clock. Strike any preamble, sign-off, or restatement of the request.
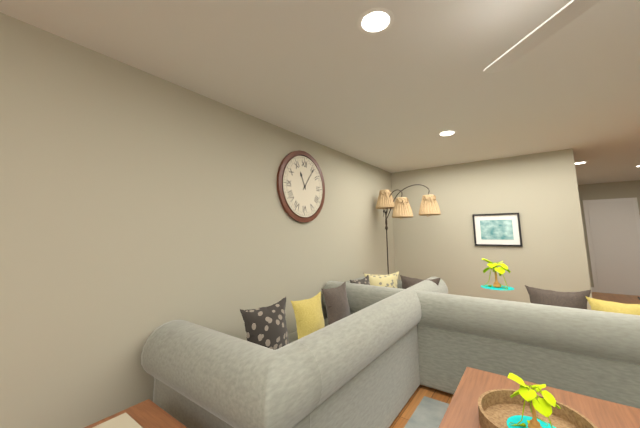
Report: 11:06
